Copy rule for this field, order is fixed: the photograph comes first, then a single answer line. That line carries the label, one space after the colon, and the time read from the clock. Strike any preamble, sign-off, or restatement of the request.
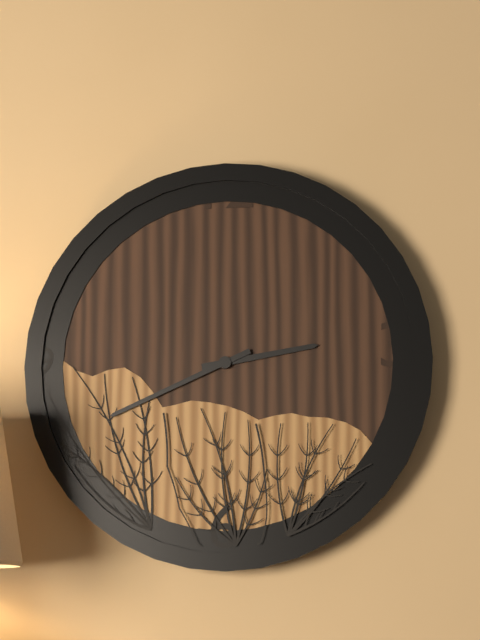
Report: 2:41
